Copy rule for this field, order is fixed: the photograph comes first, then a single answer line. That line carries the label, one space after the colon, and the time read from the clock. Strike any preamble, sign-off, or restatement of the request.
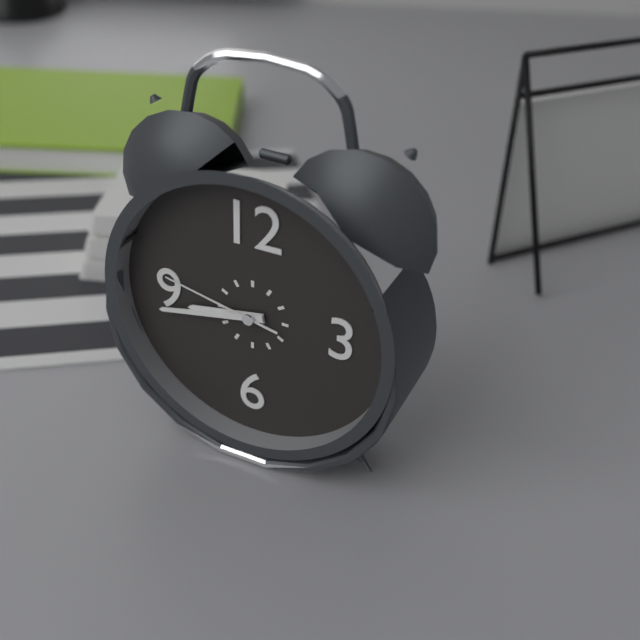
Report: 8:43:47
